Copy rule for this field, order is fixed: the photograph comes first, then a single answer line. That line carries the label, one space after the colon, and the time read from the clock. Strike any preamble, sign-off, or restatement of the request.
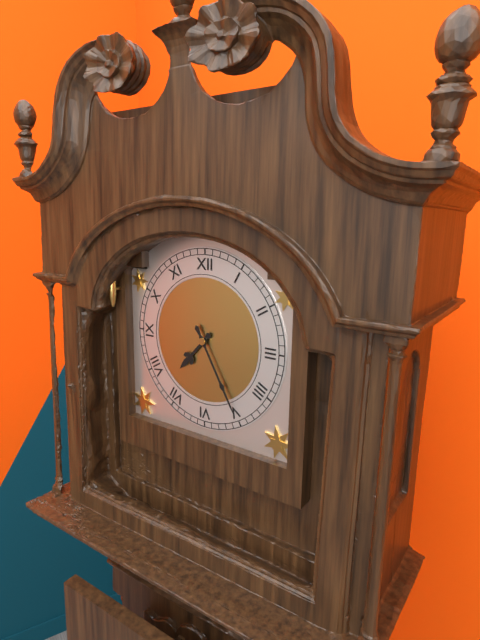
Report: 7:25
